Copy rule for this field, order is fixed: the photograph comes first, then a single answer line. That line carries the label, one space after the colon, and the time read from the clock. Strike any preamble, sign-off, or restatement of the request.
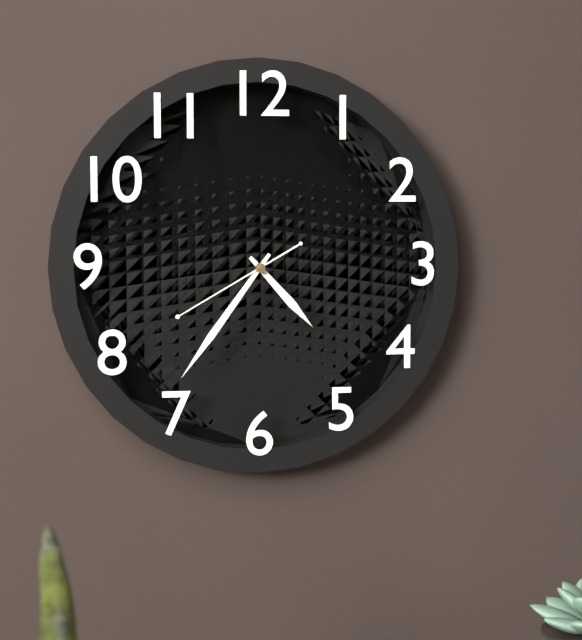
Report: 4:36:40
